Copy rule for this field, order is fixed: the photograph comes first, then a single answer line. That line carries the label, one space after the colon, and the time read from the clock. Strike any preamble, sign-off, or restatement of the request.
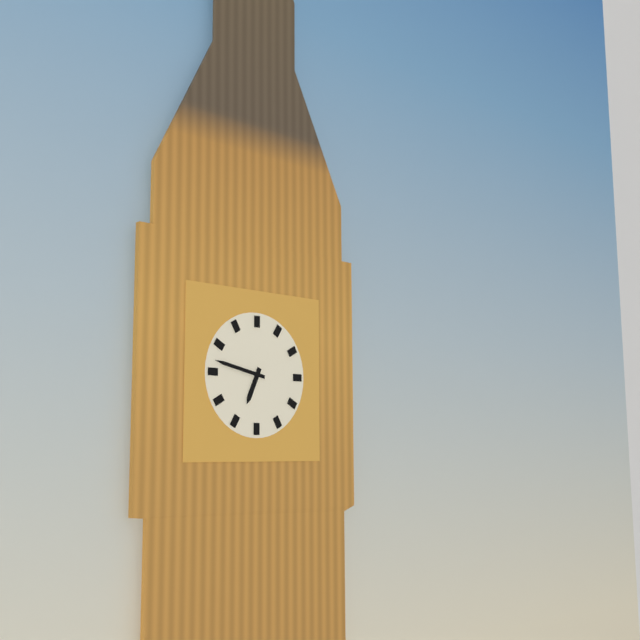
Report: 6:47
